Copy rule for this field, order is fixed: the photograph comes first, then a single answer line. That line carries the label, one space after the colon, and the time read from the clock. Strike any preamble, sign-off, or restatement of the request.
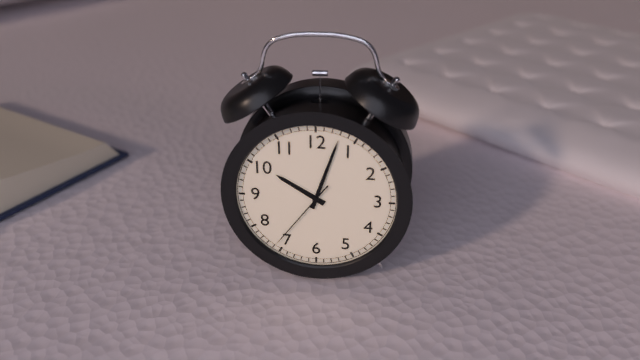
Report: 10:03:36
